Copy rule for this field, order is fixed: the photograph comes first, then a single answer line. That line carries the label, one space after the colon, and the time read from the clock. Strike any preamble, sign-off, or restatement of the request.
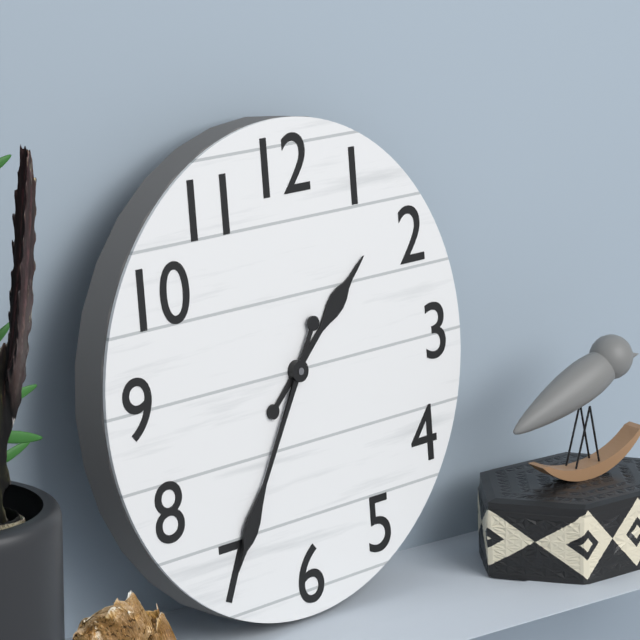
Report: 1:35
